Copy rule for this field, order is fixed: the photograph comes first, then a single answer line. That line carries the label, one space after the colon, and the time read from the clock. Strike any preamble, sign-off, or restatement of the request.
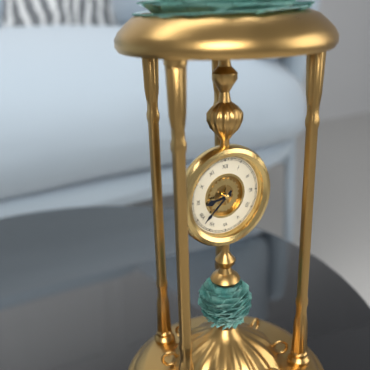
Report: 8:38
